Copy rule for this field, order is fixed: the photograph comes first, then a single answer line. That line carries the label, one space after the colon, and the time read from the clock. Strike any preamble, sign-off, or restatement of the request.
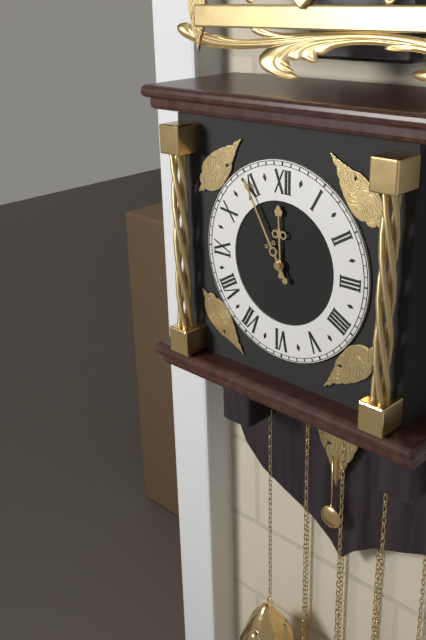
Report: 11:55
